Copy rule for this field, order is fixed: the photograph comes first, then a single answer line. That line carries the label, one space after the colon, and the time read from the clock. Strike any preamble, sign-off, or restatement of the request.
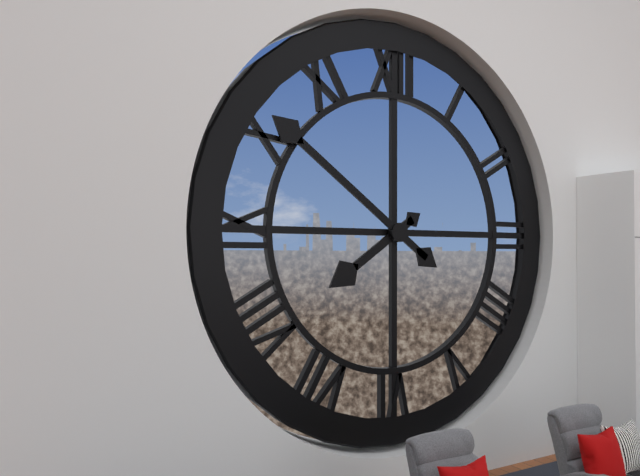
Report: 7:51
